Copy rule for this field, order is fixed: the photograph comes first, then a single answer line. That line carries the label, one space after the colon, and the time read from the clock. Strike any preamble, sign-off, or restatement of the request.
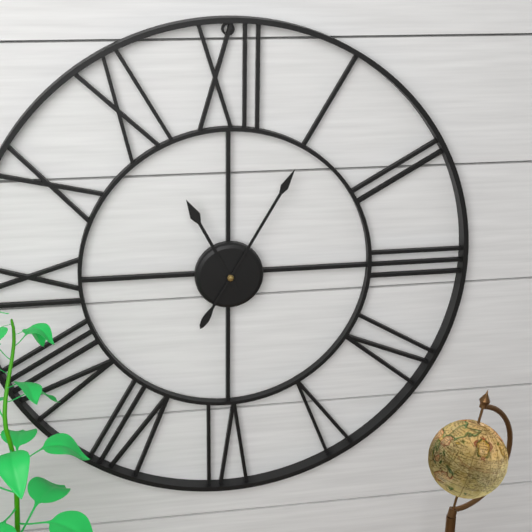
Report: 11:05
